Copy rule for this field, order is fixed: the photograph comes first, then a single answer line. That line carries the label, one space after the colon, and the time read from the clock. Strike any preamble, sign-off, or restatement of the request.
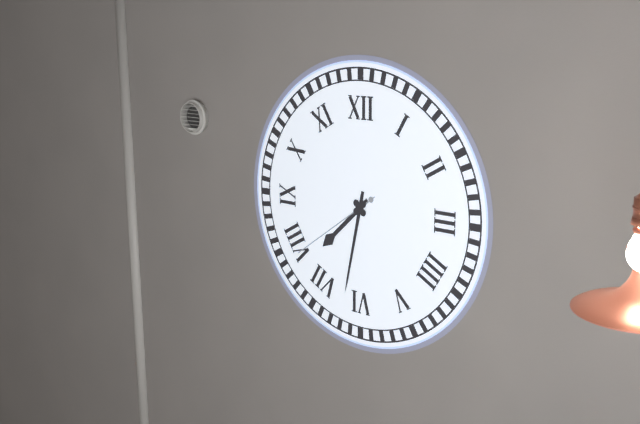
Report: 7:32:39
